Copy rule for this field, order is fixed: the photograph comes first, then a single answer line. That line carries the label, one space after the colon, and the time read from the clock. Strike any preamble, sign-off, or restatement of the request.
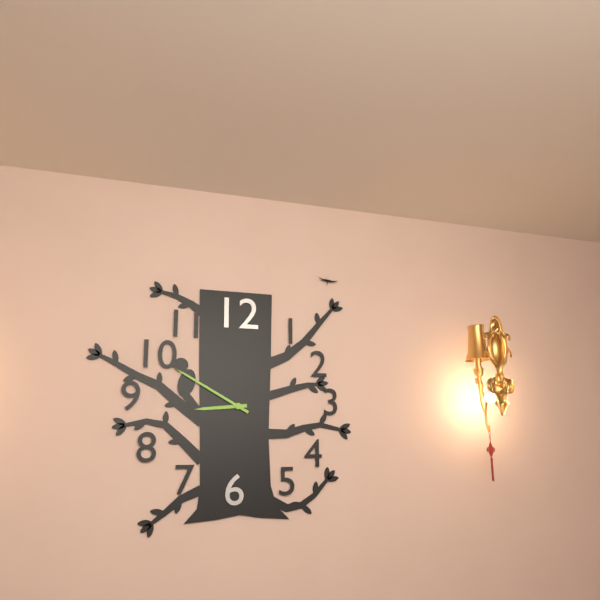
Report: 8:50
